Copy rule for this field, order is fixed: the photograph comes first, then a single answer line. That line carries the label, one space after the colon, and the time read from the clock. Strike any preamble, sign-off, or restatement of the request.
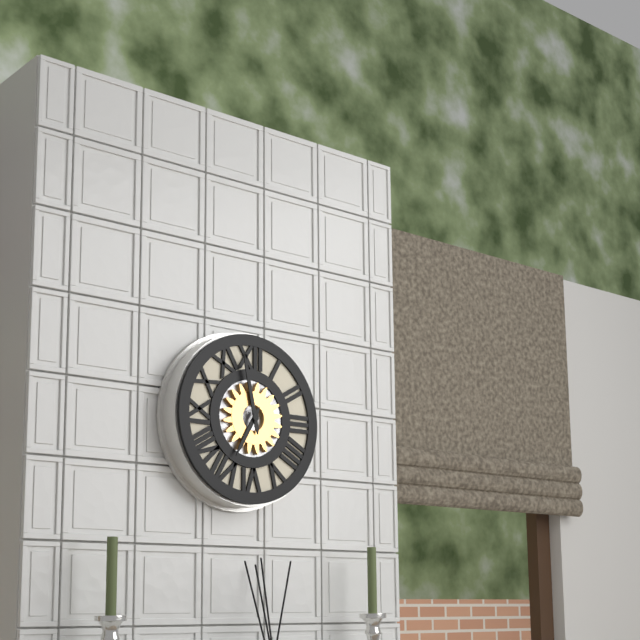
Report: 6:58
